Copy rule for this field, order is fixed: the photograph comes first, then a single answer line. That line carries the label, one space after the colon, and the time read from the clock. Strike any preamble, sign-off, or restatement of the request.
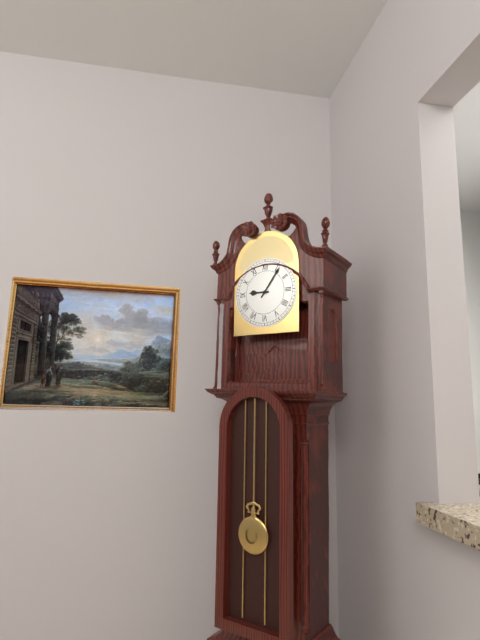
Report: 9:06
